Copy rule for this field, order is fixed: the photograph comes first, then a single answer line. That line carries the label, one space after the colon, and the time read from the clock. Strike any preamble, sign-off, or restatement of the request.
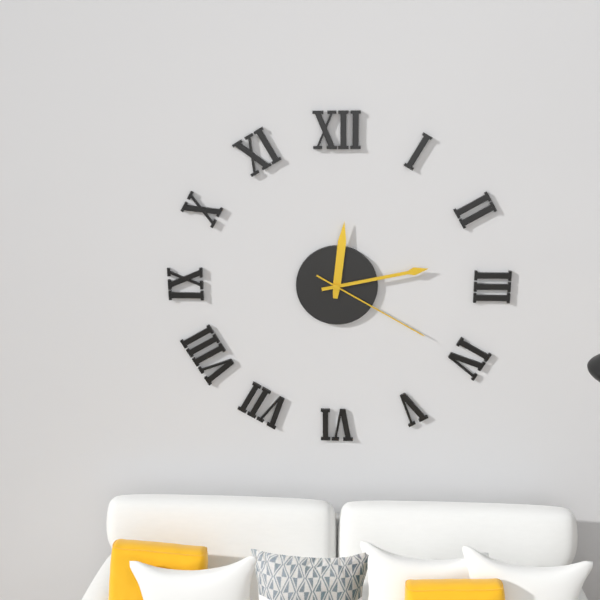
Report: 12:13:20
